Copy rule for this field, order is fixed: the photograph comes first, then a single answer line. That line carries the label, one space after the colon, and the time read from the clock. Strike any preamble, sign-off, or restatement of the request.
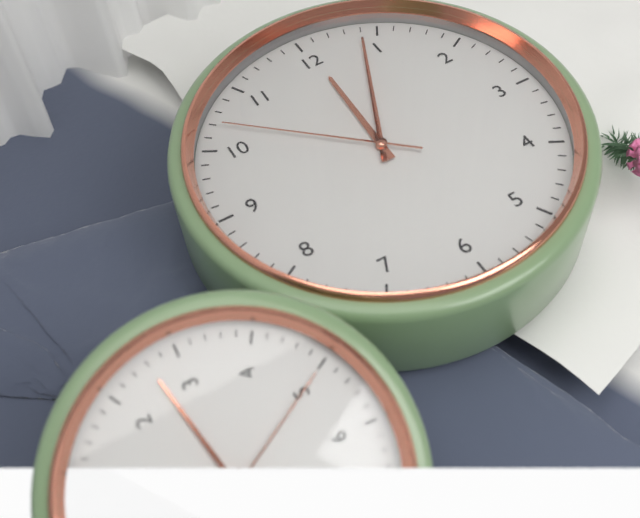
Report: 12:04:52
